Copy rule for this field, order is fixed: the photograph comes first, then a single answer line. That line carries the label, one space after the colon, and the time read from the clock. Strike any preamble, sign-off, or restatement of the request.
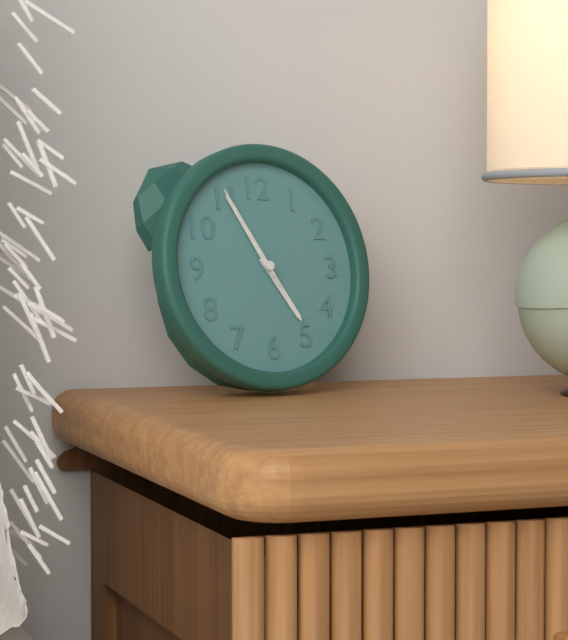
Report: 4:55:55
